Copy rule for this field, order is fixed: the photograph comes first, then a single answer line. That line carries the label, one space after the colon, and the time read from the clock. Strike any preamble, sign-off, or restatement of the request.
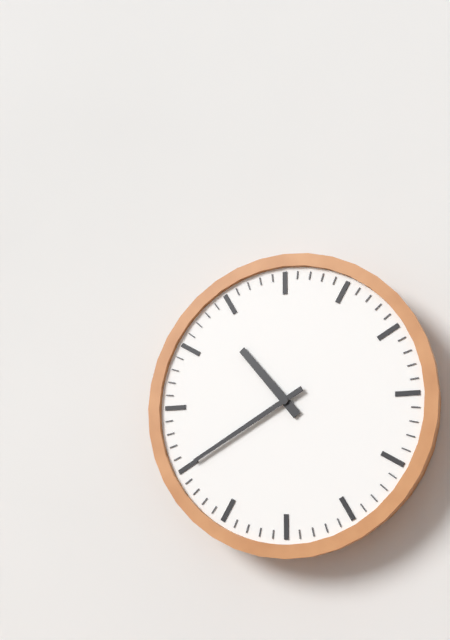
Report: 10:40
